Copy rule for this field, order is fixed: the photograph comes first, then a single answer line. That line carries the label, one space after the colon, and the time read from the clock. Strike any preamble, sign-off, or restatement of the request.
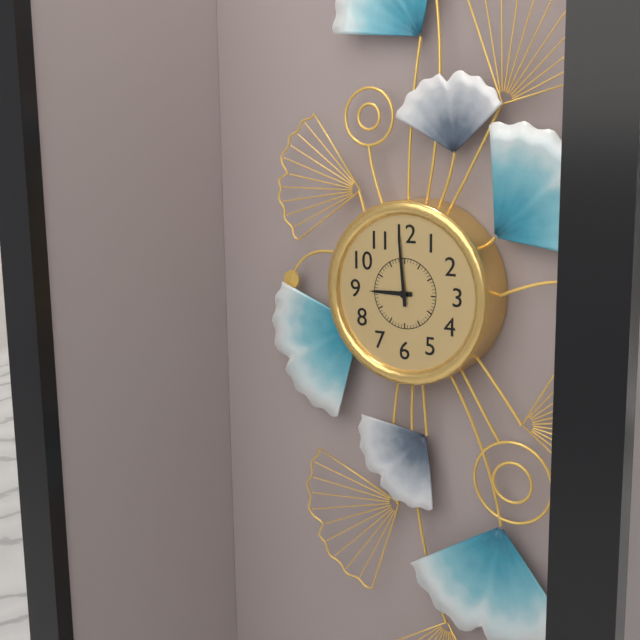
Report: 8:59
